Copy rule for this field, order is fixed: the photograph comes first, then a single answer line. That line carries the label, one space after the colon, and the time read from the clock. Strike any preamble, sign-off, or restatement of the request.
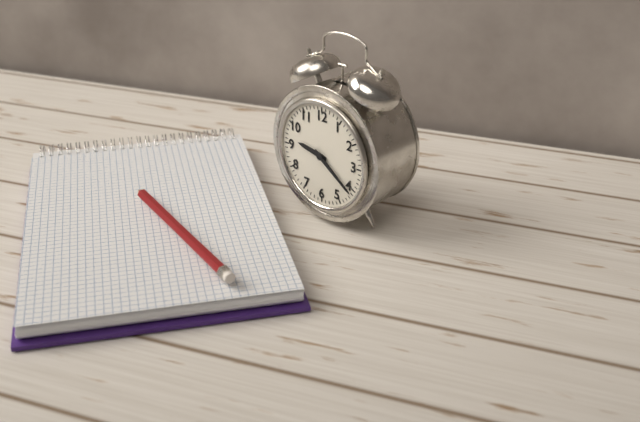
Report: 9:21
